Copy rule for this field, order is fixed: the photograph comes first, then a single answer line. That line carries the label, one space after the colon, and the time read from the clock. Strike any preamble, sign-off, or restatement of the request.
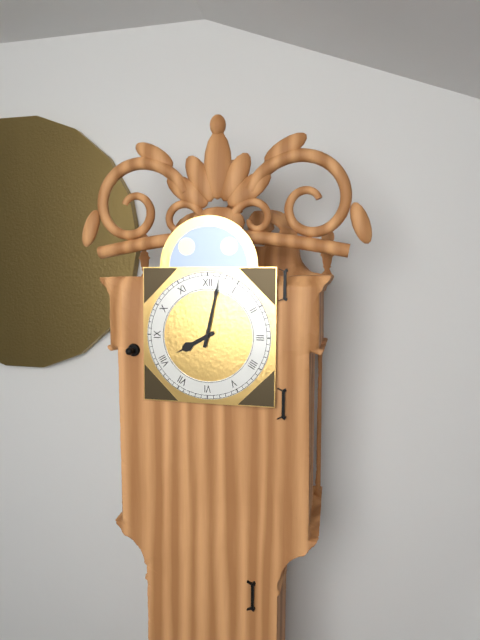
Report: 8:02
